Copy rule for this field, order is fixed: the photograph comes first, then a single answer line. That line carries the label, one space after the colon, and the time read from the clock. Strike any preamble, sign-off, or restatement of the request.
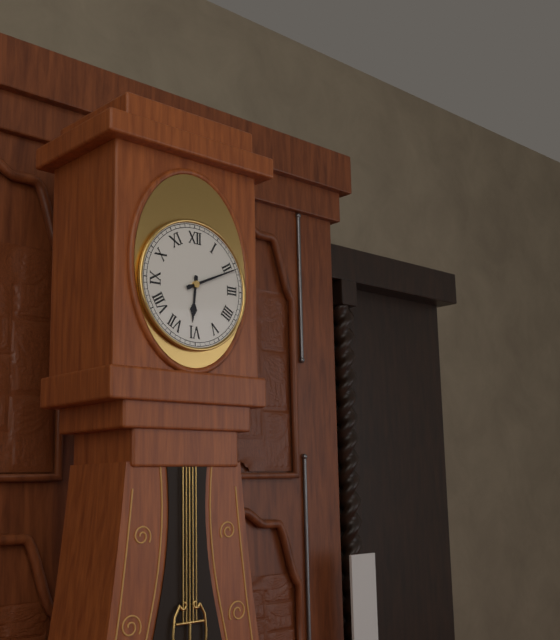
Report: 6:11
